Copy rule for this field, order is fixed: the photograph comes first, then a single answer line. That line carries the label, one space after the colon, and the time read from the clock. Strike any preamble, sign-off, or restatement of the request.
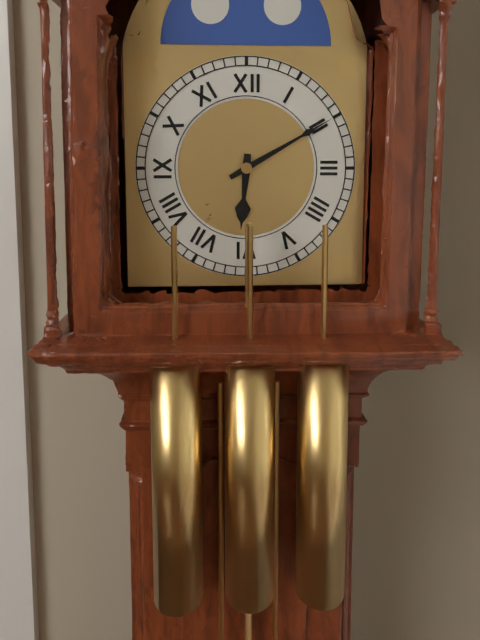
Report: 6:10
